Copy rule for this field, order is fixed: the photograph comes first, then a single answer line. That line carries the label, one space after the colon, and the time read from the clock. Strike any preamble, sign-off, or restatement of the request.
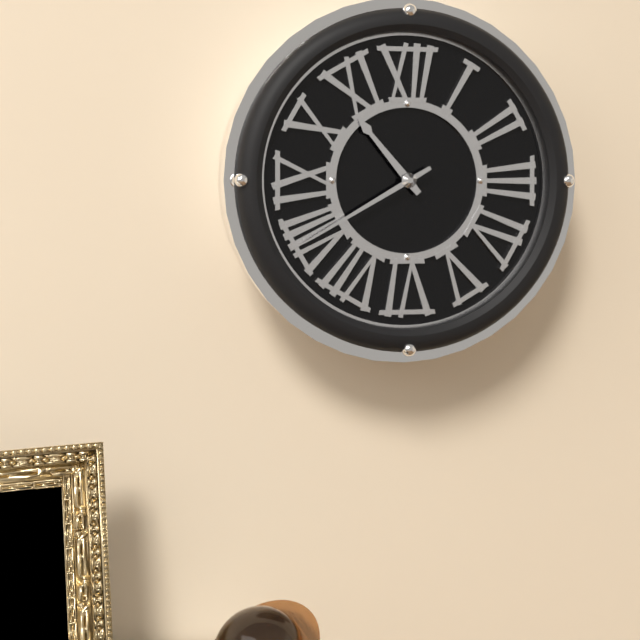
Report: 10:40
